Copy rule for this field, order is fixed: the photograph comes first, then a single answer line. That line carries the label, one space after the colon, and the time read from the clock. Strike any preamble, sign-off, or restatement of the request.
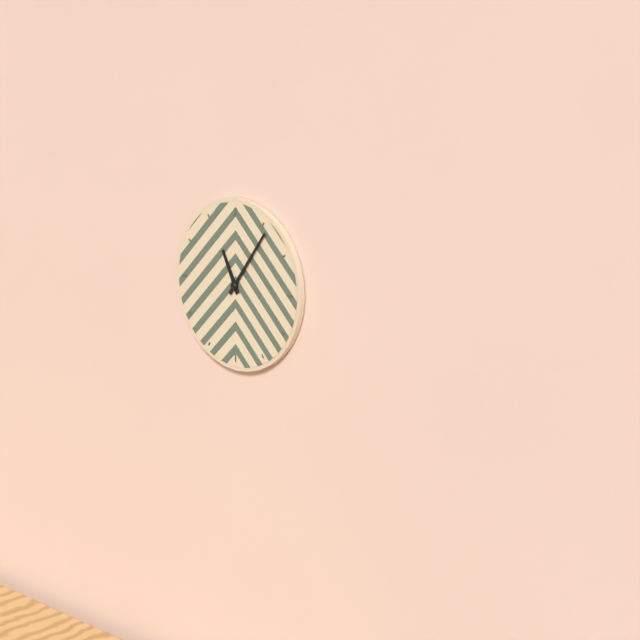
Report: 11:06
